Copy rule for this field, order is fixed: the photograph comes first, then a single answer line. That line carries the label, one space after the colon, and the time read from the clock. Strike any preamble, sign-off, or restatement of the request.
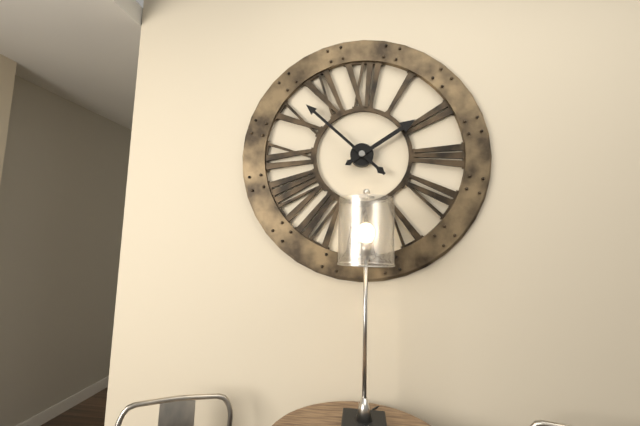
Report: 1:52
